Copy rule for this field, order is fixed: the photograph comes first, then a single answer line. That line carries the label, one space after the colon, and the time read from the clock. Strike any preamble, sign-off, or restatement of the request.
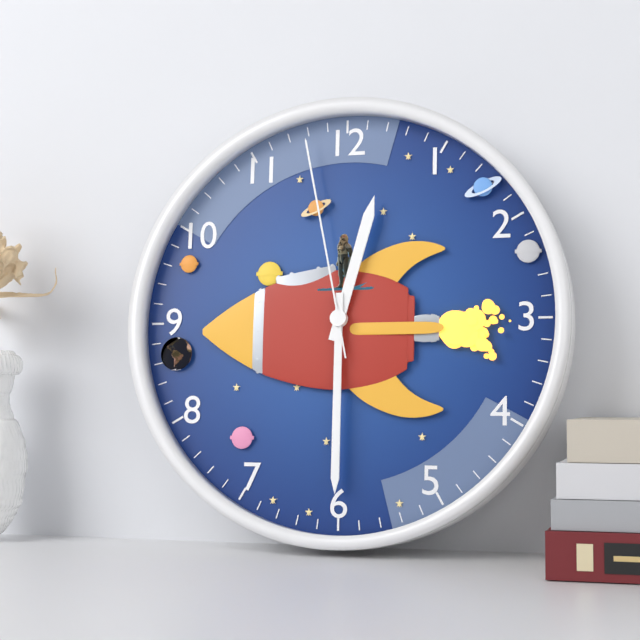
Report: 12:30:58
